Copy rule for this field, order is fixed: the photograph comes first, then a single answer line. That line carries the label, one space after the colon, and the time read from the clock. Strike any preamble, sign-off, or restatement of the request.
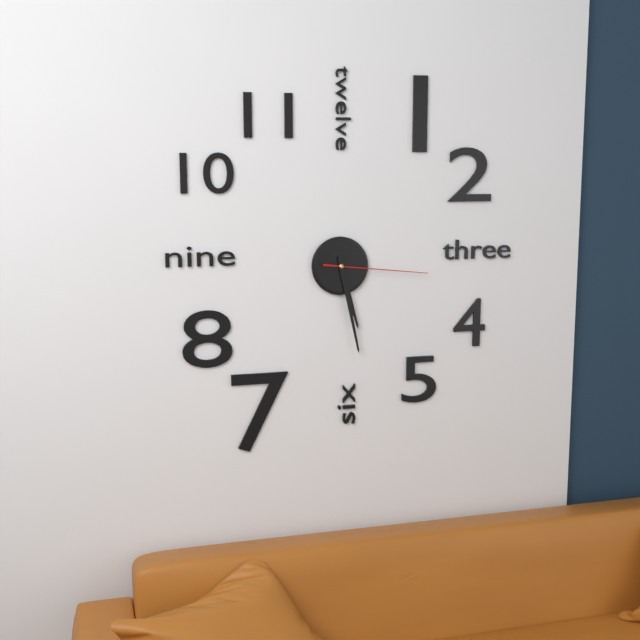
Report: 5:28:16
